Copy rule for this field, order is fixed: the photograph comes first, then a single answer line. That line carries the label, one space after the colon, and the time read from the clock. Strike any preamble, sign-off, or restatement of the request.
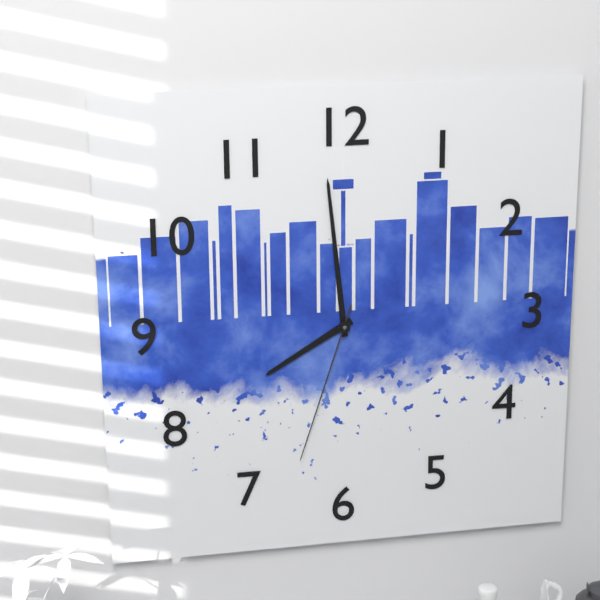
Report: 7:59:33
